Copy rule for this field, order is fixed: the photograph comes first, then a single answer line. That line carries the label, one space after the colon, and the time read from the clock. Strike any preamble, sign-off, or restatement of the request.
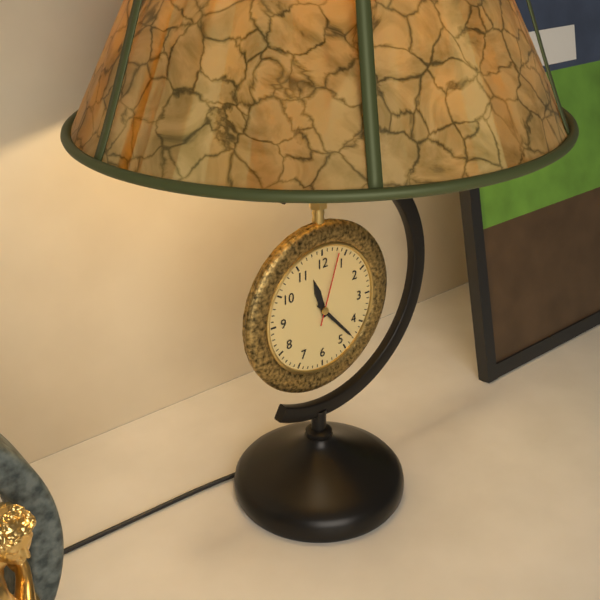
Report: 11:23:03
